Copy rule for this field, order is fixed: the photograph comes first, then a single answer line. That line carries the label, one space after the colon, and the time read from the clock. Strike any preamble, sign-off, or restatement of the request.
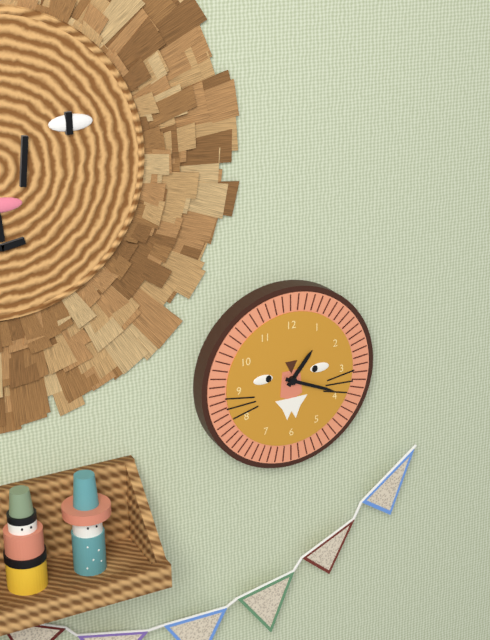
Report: 1:19
